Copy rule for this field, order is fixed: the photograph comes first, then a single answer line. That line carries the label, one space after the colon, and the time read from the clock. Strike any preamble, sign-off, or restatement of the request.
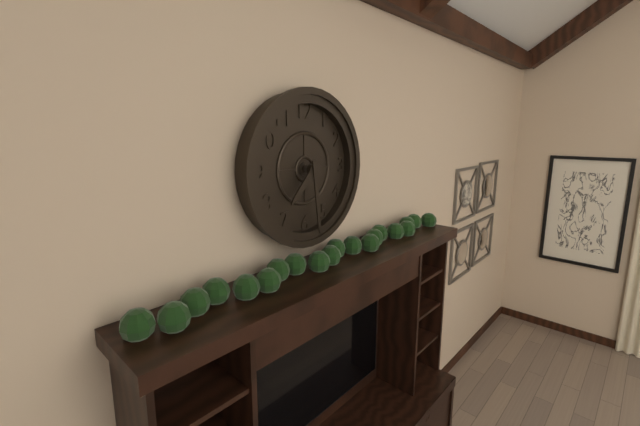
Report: 7:29
